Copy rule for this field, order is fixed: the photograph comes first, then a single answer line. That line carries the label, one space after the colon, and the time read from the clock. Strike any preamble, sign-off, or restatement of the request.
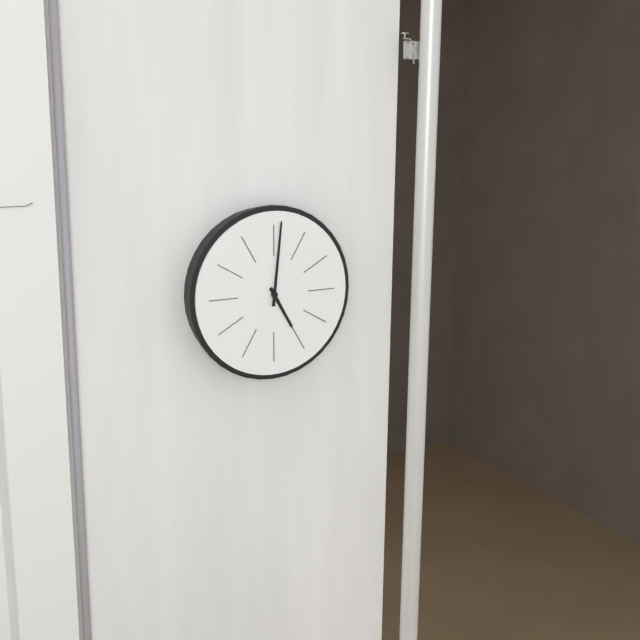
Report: 5:01
